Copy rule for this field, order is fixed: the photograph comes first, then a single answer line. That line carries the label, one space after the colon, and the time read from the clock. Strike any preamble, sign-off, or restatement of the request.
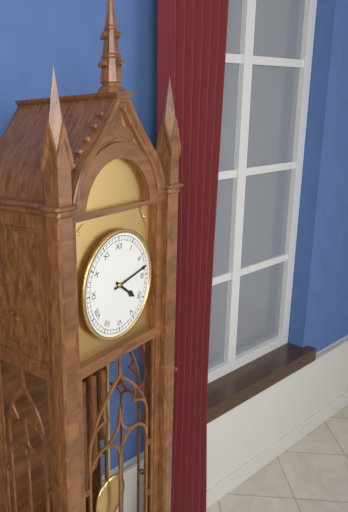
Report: 4:13
